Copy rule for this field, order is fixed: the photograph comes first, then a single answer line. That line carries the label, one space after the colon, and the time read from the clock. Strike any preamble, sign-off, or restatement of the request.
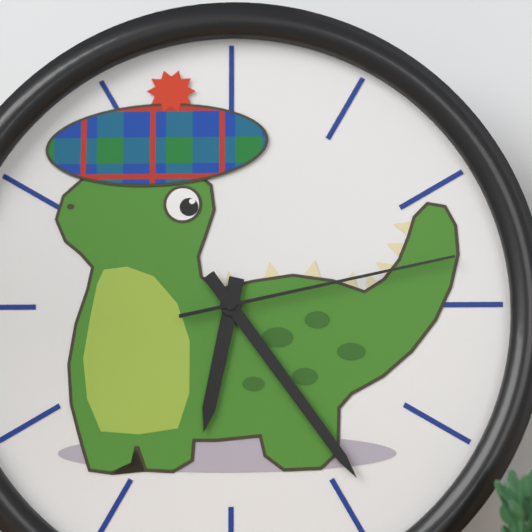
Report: 6:24:13
